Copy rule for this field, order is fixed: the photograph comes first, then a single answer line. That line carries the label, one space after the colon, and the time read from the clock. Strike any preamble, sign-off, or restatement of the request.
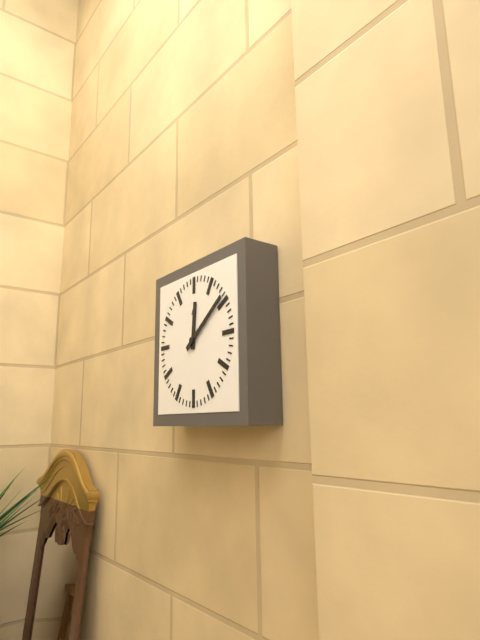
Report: 12:09
